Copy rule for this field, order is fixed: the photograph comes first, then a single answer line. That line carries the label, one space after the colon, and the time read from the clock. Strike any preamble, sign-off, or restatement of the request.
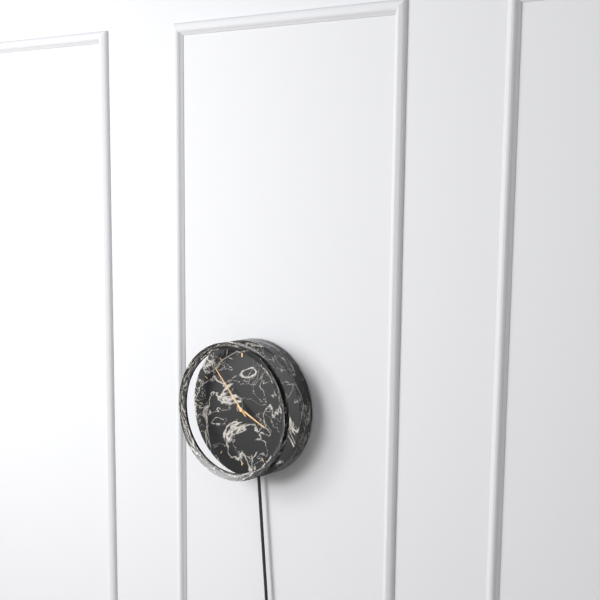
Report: 3:53
